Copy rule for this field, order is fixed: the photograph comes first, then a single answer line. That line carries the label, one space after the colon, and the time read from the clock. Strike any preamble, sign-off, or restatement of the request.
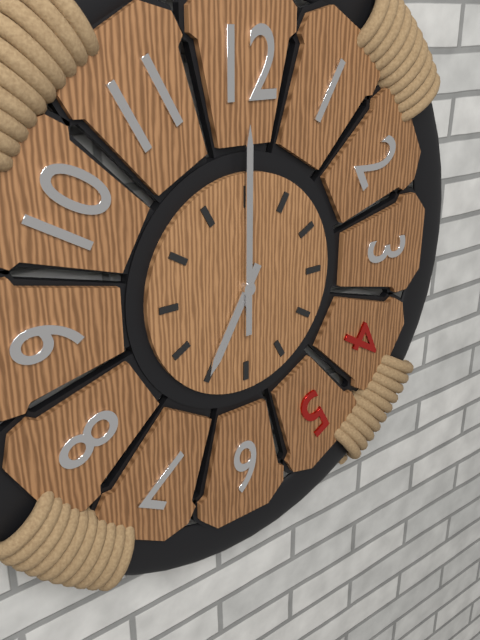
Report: 7:00
